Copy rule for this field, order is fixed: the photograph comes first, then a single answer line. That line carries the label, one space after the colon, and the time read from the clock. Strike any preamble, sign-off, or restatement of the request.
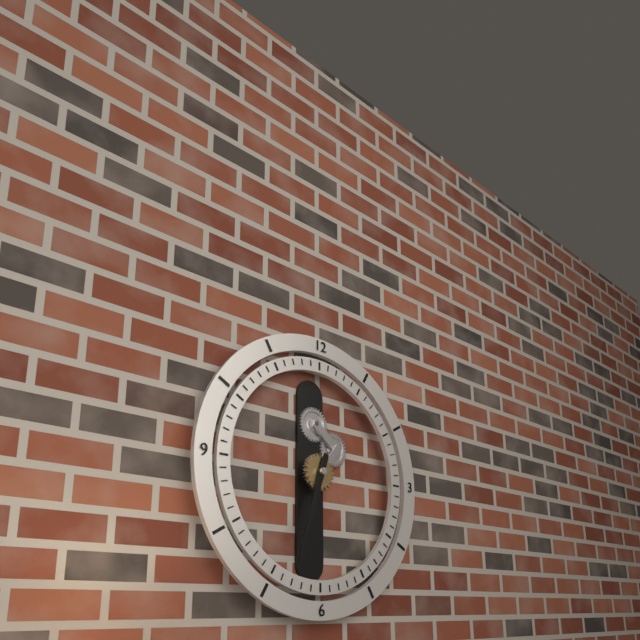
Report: 6:33
